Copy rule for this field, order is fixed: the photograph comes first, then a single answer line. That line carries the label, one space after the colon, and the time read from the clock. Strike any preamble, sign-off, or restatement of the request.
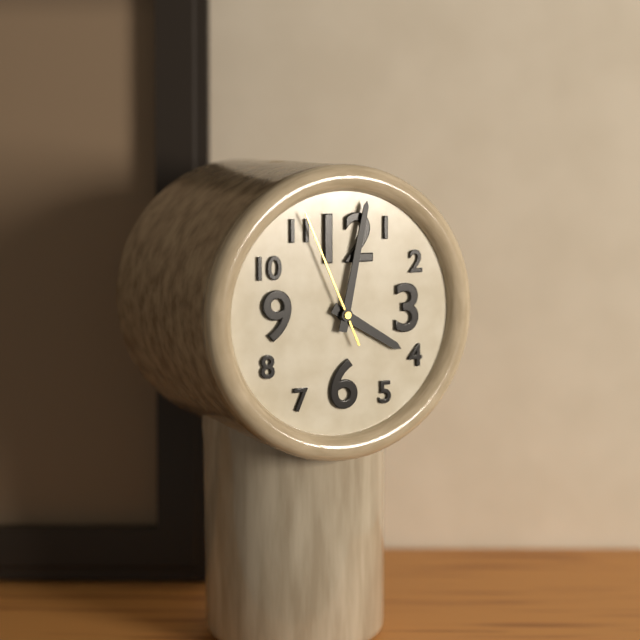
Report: 4:02:56
